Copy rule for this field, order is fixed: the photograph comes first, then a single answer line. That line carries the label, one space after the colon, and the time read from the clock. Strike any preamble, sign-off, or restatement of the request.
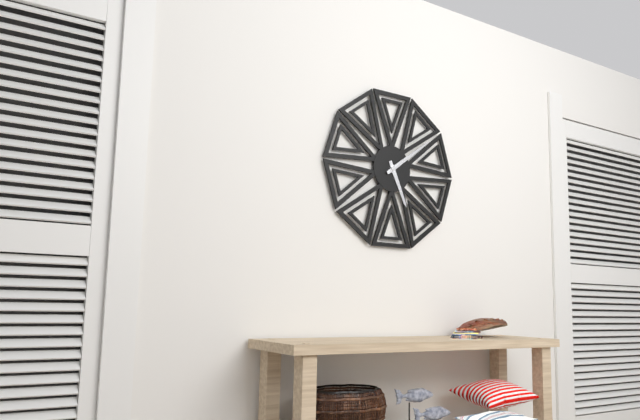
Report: 5:09
